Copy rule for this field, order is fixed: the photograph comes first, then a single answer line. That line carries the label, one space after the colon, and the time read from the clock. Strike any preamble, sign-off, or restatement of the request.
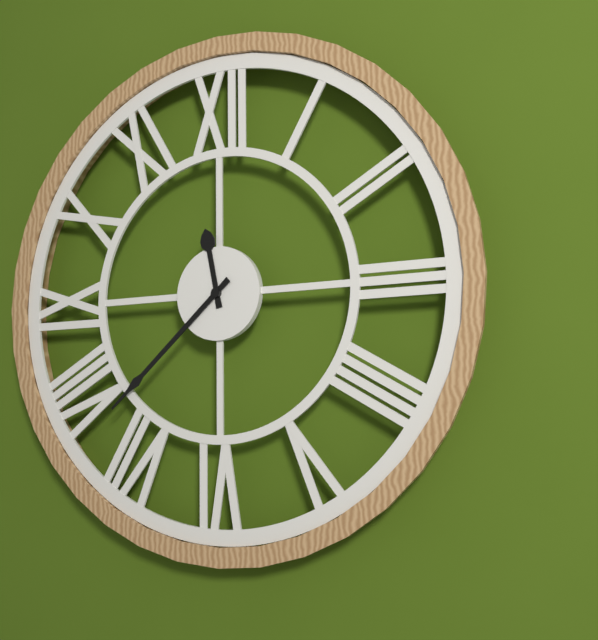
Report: 11:38
